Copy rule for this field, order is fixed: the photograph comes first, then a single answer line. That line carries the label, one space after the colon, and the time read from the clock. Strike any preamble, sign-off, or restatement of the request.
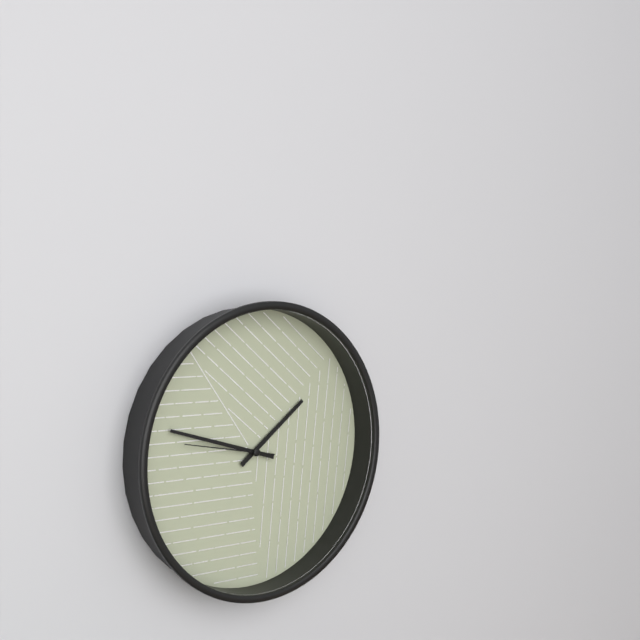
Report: 1:48:47
